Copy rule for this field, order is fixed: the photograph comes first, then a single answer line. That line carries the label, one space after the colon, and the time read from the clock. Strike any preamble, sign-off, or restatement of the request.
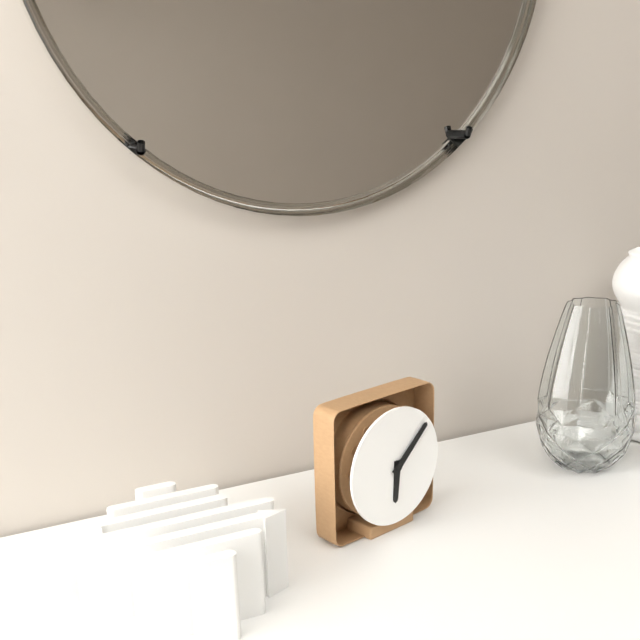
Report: 6:08
